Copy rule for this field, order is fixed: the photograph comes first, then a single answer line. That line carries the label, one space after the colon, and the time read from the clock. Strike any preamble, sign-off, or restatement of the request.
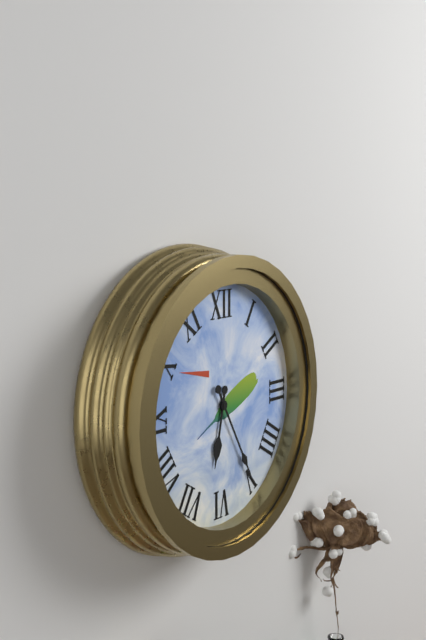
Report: 6:25
